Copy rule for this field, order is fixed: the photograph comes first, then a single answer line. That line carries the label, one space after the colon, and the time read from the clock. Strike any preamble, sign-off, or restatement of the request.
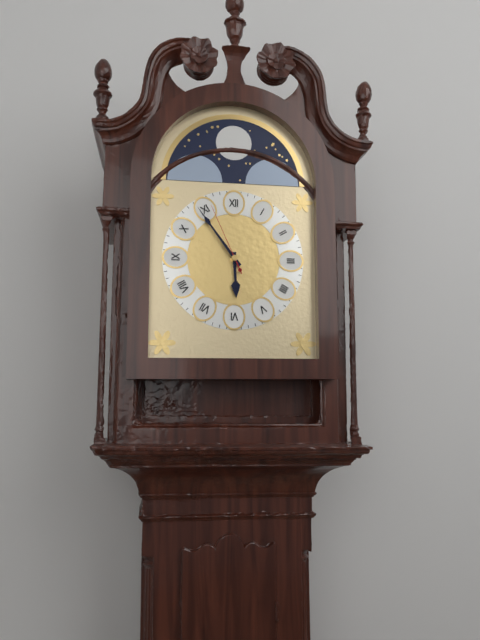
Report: 5:54:56
